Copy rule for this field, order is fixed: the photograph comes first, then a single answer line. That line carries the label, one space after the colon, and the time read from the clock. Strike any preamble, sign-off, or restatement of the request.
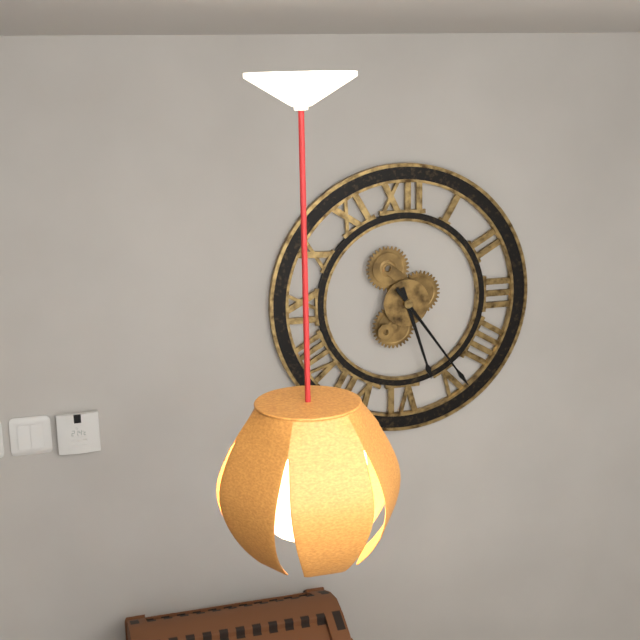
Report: 5:24
